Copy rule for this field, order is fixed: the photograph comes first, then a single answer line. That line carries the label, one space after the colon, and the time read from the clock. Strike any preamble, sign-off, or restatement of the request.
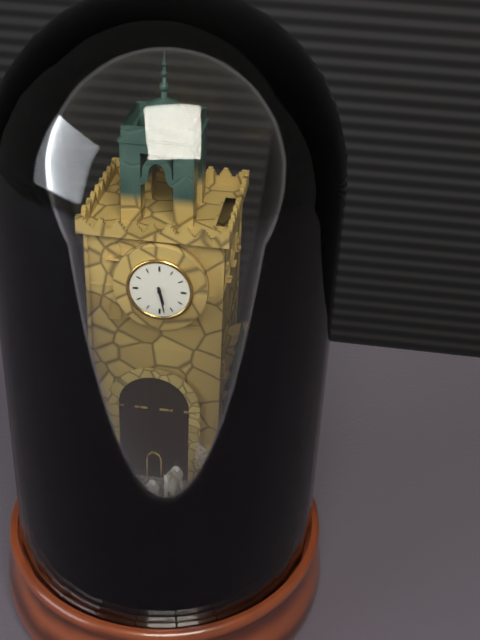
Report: 5:28
